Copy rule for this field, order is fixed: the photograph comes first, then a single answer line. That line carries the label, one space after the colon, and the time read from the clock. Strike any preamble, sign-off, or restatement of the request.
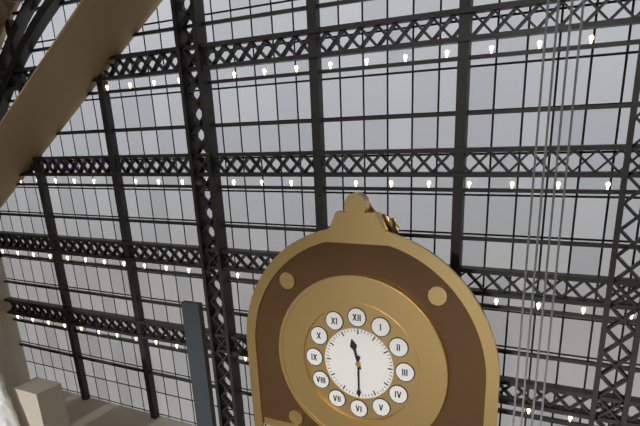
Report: 11:30
